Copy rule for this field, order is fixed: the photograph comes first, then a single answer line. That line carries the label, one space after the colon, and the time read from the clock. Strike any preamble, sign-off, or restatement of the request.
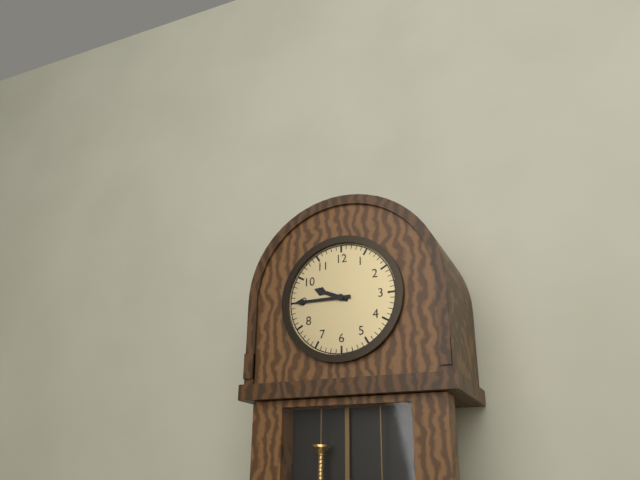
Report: 9:45
